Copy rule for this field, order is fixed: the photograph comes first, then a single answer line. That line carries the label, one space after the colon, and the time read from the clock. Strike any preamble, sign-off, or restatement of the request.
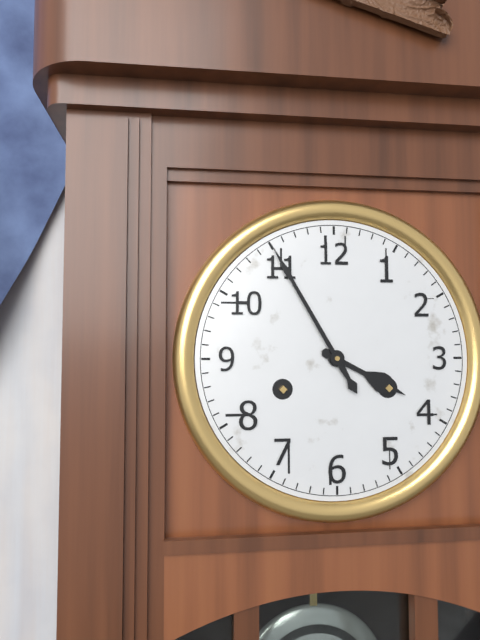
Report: 3:55
